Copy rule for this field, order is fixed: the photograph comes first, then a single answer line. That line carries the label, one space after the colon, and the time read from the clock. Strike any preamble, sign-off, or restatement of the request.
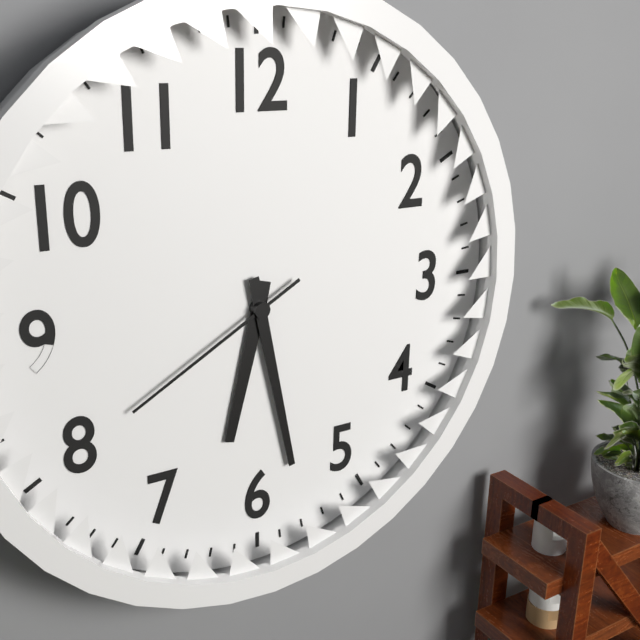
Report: 6:28:40
